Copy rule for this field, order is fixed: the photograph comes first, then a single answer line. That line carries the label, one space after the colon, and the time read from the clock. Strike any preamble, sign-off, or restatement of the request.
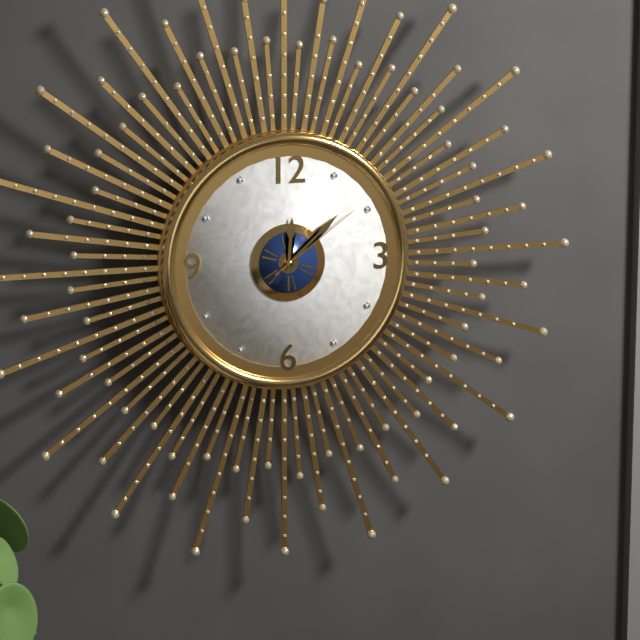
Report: 12:08:09
